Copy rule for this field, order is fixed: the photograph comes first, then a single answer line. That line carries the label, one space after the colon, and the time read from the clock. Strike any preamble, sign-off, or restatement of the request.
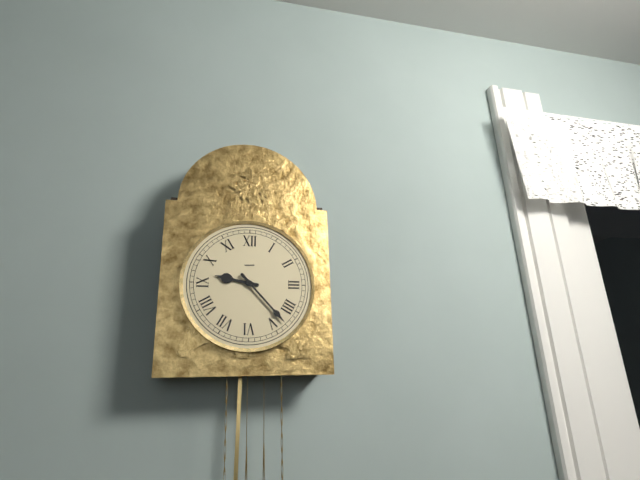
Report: 9:23
